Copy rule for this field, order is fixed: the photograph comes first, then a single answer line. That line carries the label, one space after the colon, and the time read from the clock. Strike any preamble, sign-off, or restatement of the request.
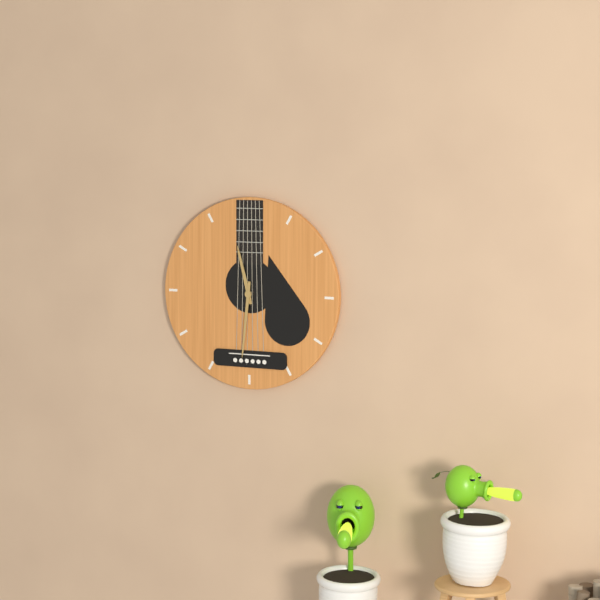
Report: 11:31
